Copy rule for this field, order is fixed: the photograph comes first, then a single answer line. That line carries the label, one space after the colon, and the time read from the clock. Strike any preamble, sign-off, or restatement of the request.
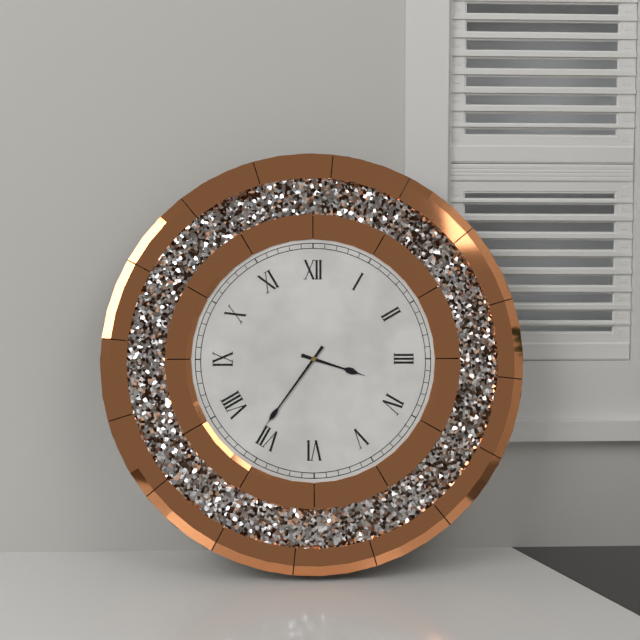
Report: 3:36
